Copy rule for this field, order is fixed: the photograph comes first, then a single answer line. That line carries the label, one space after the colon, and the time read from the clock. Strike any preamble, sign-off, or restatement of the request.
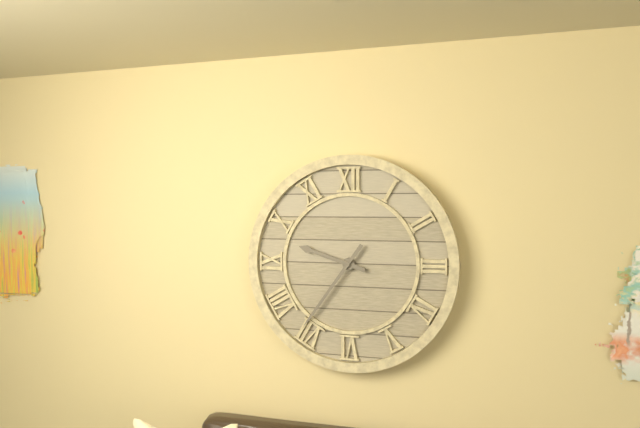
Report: 9:36
